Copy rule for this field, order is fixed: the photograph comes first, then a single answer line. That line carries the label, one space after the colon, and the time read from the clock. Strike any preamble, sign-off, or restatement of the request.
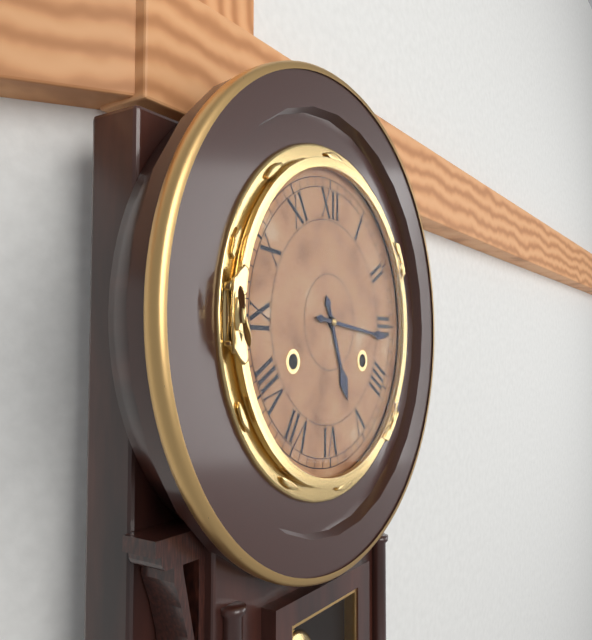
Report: 5:16
